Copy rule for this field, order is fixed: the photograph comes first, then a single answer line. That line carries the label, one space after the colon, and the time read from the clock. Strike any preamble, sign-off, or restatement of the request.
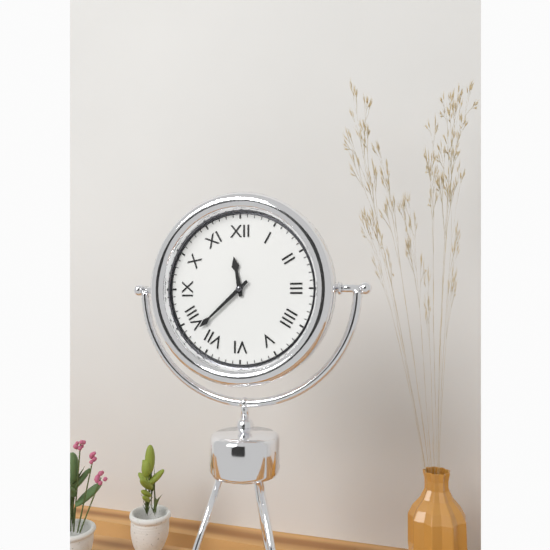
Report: 11:38
